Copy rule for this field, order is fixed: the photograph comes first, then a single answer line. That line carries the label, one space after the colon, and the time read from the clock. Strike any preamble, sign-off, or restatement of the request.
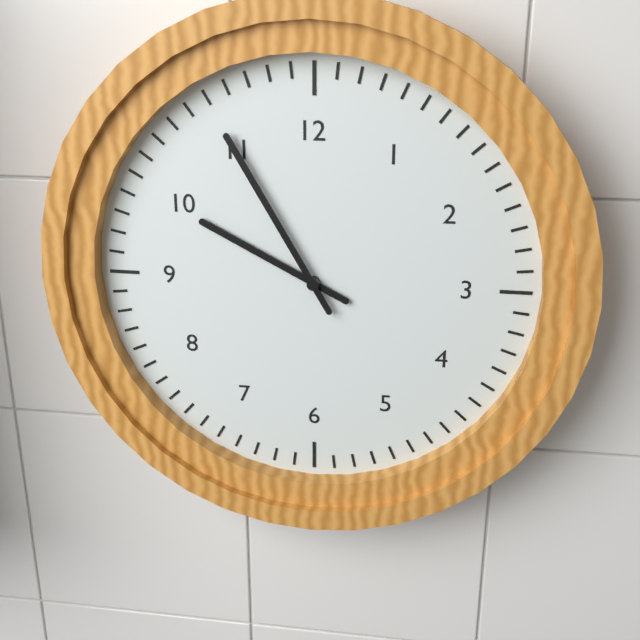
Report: 9:55
